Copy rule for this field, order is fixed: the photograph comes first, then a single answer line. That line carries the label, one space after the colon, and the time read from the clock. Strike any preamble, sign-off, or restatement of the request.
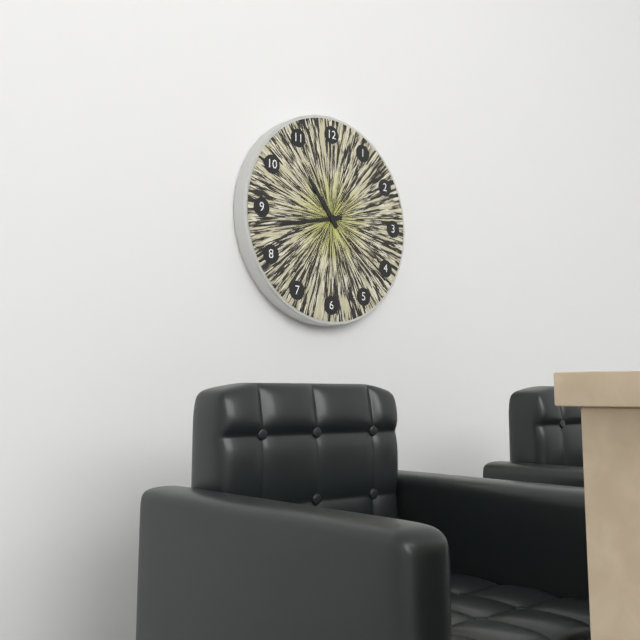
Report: 10:43
